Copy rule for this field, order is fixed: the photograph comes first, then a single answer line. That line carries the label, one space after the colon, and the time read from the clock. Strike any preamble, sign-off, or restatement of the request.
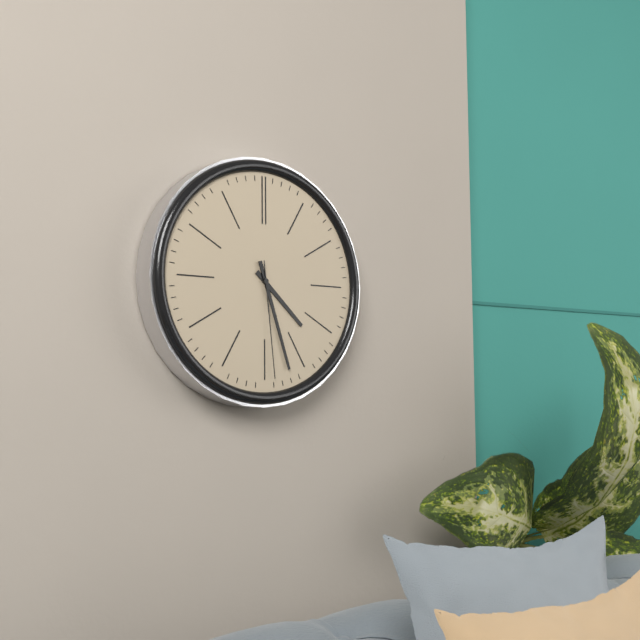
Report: 4:27:29
